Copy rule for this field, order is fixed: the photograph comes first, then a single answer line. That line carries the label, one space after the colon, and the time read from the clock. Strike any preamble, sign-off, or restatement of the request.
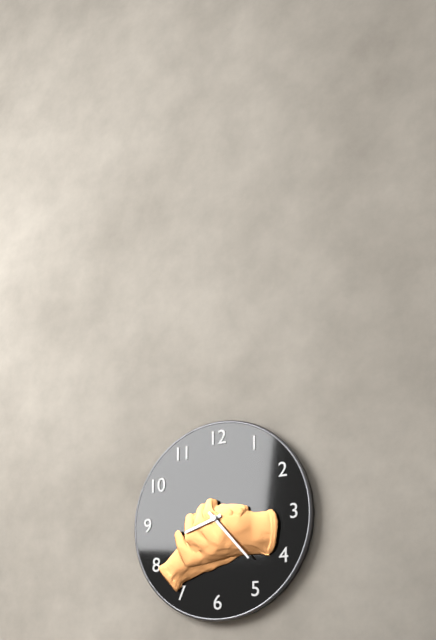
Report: 8:23
